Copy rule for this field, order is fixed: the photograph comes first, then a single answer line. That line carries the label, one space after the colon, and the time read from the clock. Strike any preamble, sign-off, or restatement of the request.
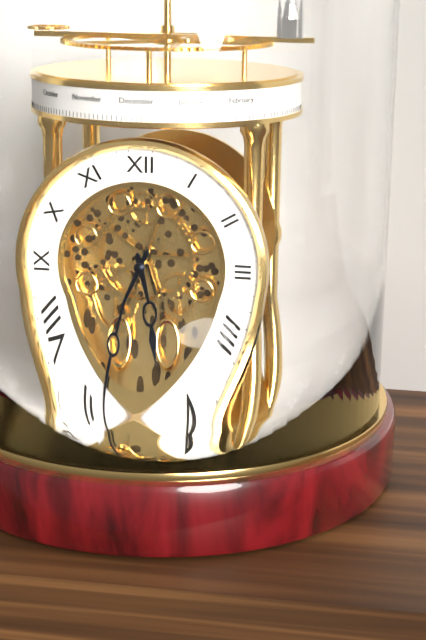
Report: 5:34
